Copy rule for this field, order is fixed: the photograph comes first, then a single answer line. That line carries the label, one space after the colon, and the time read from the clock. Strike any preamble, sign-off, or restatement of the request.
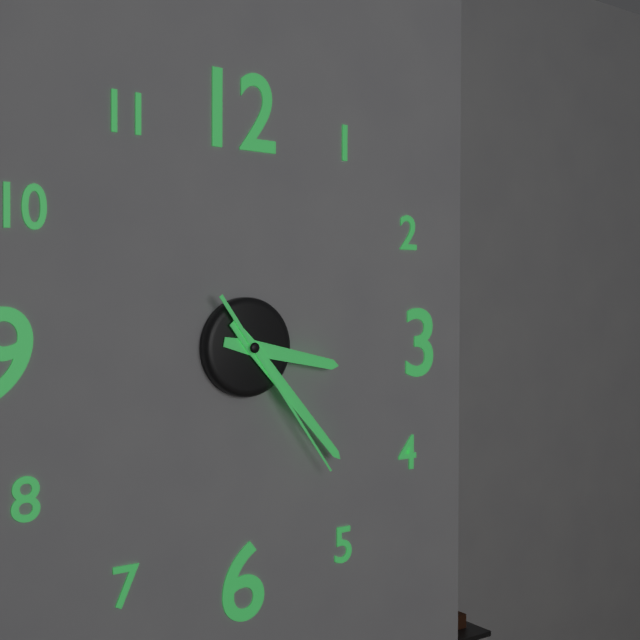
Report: 3:23:24
